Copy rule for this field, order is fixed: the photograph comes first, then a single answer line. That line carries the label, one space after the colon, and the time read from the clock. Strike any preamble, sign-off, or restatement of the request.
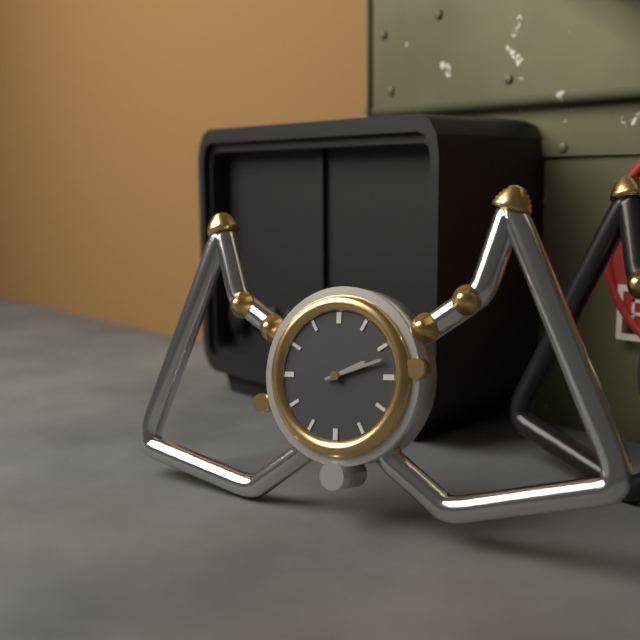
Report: 2:12
